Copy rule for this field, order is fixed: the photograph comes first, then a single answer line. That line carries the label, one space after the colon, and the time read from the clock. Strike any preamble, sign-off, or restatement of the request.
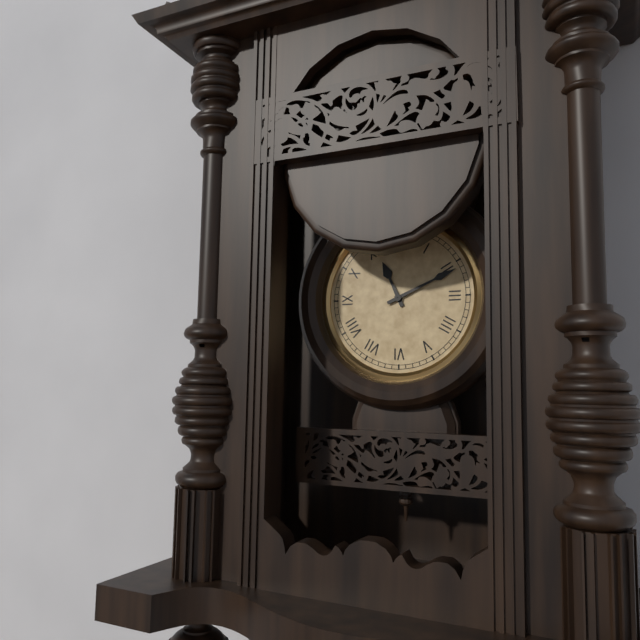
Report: 11:11
